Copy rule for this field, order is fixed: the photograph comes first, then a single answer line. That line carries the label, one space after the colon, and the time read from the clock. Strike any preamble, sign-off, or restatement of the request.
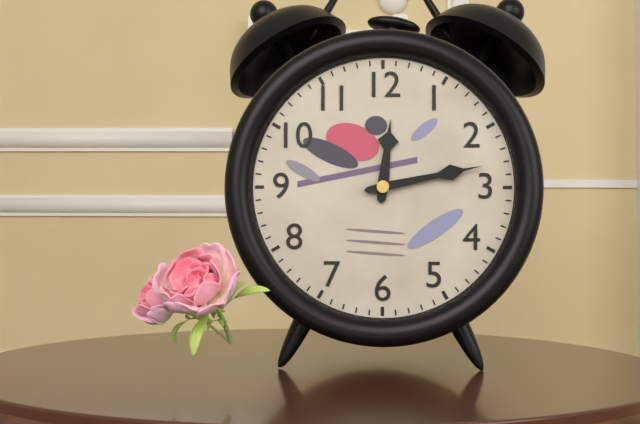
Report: 12:13
